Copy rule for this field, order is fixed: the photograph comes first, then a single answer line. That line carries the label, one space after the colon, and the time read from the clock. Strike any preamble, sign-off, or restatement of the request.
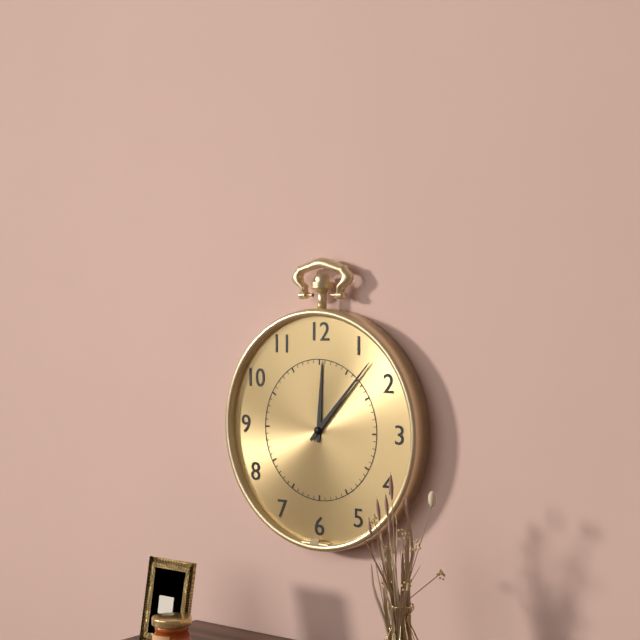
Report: 12:07
